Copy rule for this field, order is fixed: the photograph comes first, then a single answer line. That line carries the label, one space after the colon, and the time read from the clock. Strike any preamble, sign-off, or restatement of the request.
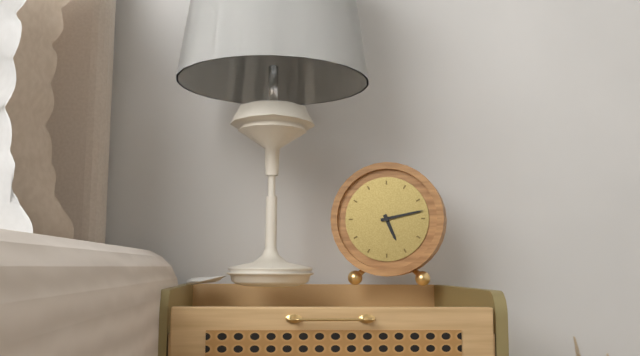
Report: 5:13
